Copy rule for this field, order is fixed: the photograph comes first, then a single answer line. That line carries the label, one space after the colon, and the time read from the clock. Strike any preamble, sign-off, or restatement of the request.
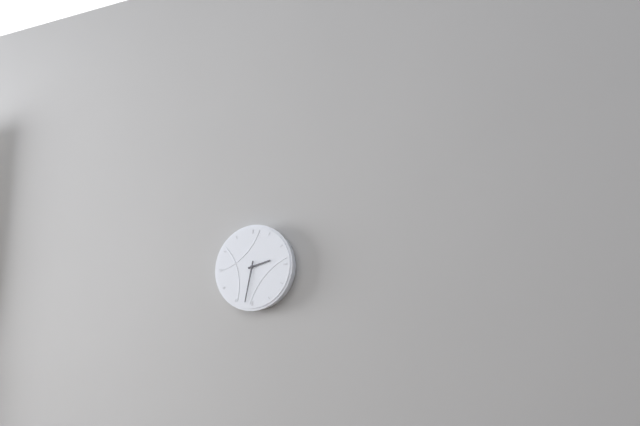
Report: 2:32
